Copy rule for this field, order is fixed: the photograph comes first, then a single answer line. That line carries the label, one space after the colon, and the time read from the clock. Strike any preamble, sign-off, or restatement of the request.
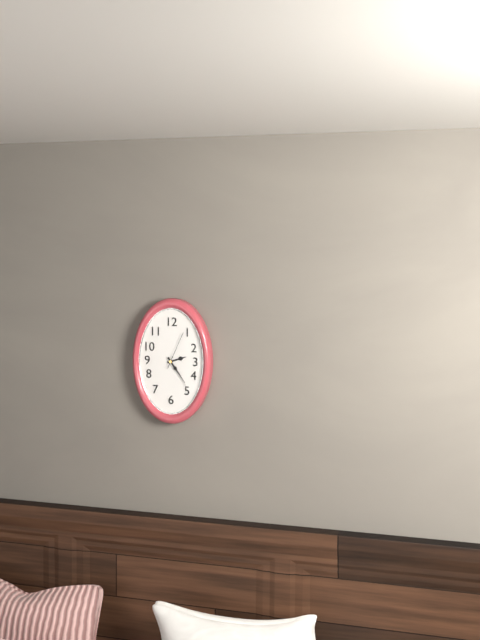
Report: 2:24
